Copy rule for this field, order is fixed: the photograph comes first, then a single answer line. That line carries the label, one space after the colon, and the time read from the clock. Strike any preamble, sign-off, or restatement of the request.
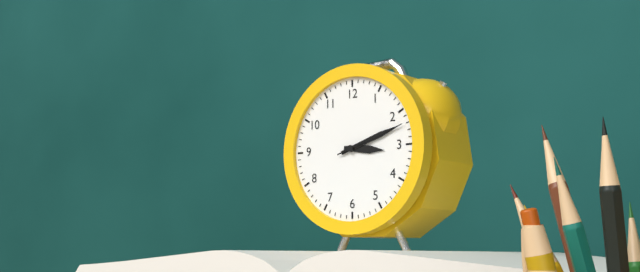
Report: 3:12:12
